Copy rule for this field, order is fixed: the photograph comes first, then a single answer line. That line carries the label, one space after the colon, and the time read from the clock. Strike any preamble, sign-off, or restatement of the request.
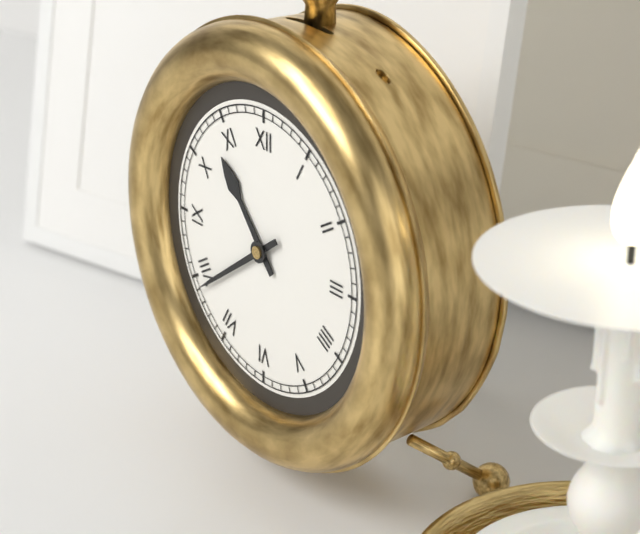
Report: 10:39
